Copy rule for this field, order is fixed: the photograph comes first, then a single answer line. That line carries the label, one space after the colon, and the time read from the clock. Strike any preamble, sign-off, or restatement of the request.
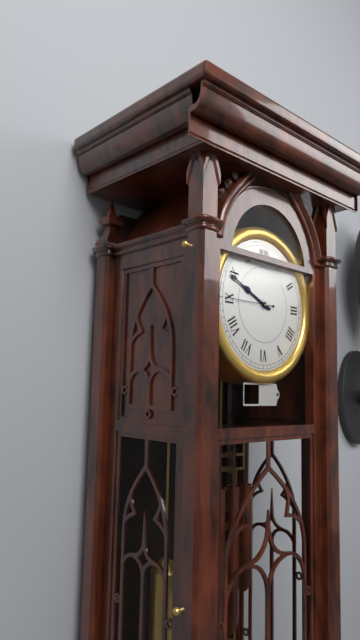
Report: 9:49
